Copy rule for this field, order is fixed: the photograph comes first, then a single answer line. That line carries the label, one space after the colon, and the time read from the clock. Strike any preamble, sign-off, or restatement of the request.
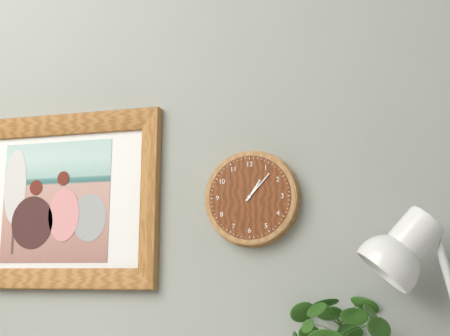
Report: 1:07
